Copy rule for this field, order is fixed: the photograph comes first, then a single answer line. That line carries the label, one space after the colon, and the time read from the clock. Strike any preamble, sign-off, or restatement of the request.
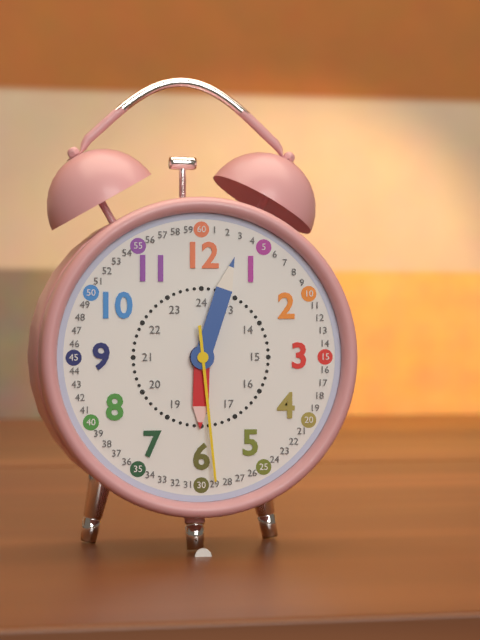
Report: 6:03:29
